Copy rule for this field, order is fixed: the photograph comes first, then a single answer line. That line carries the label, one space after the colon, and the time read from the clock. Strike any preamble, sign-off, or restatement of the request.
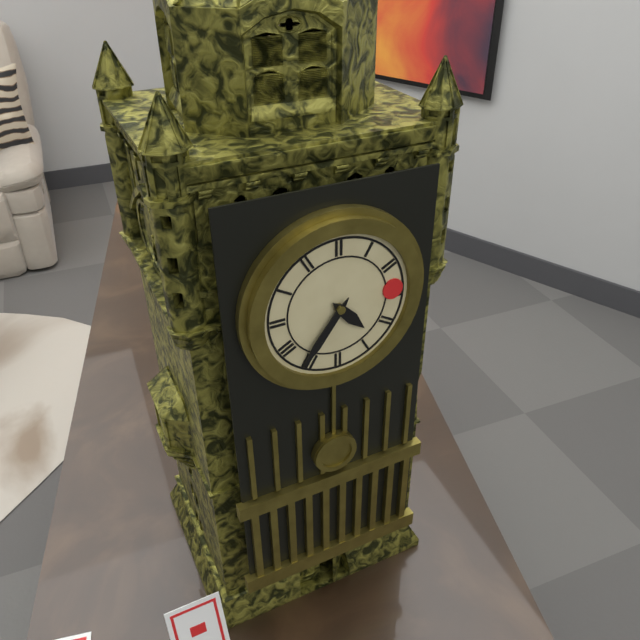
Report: 4:36
